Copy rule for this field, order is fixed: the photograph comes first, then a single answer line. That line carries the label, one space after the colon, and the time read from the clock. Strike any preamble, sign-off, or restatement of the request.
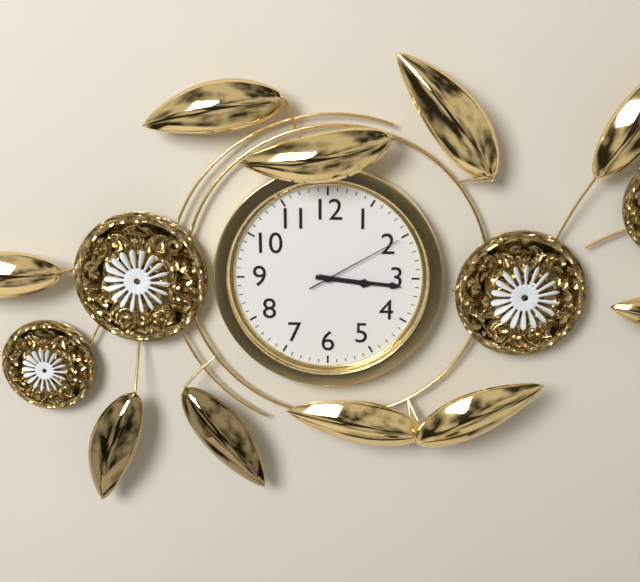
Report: 3:16:10
